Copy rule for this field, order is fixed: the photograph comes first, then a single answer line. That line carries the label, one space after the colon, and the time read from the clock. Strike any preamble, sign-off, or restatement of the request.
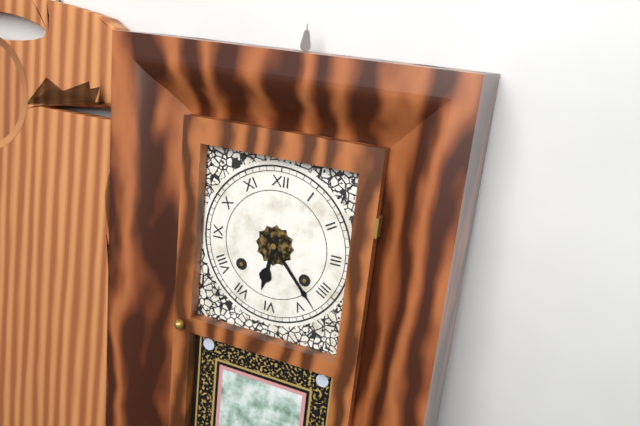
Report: 6:23
